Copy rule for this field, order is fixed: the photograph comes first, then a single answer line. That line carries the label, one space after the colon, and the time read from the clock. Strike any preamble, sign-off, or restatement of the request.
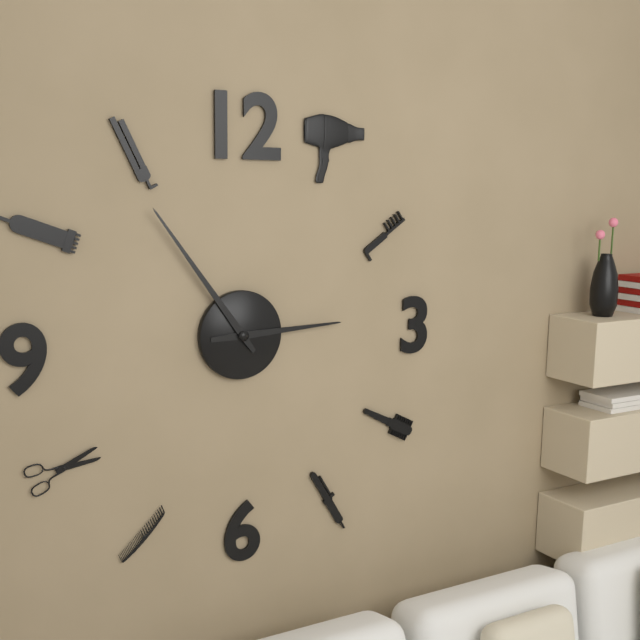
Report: 2:54
